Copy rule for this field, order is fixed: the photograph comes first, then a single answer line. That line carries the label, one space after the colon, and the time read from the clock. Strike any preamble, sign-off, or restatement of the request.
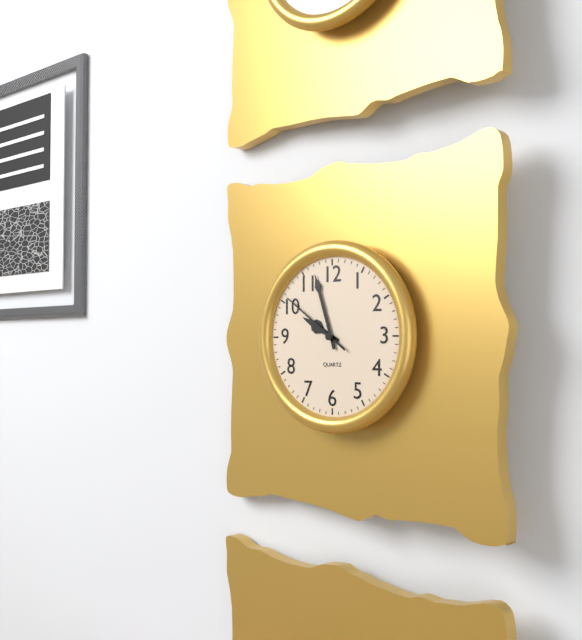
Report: 9:57:51
